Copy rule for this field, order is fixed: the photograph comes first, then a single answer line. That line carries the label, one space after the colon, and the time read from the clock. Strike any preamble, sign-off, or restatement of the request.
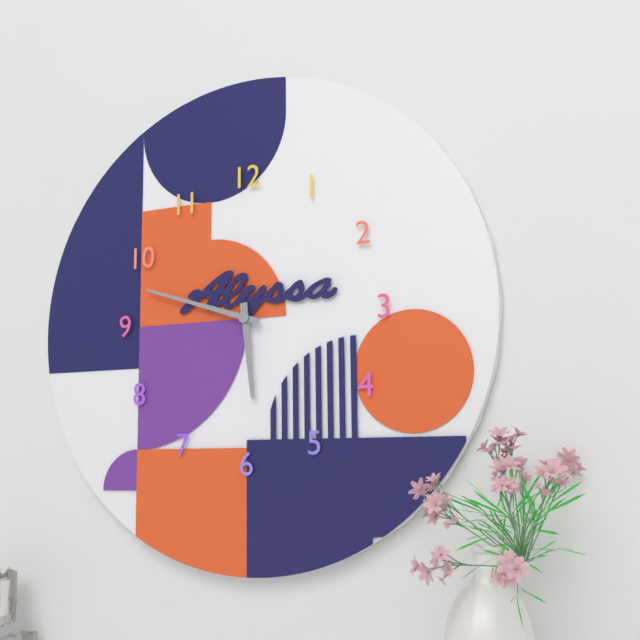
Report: 5:48
